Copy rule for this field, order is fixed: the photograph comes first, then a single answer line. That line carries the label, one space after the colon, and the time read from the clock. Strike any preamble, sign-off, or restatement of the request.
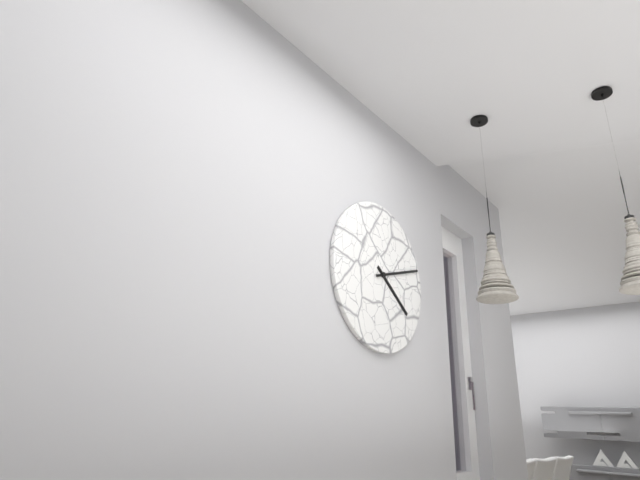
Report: 4:12
